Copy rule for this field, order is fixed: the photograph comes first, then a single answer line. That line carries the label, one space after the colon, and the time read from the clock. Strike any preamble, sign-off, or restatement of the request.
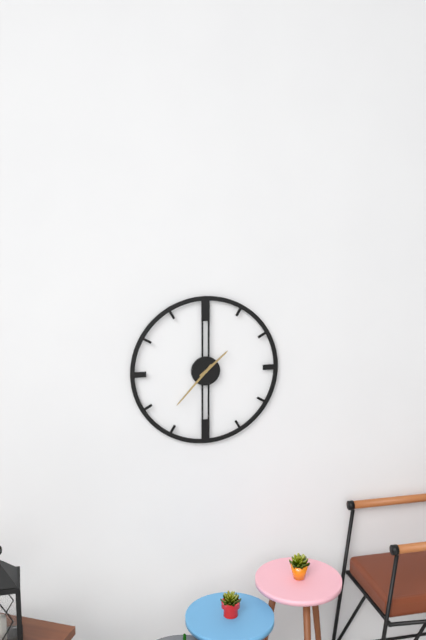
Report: 1:37
